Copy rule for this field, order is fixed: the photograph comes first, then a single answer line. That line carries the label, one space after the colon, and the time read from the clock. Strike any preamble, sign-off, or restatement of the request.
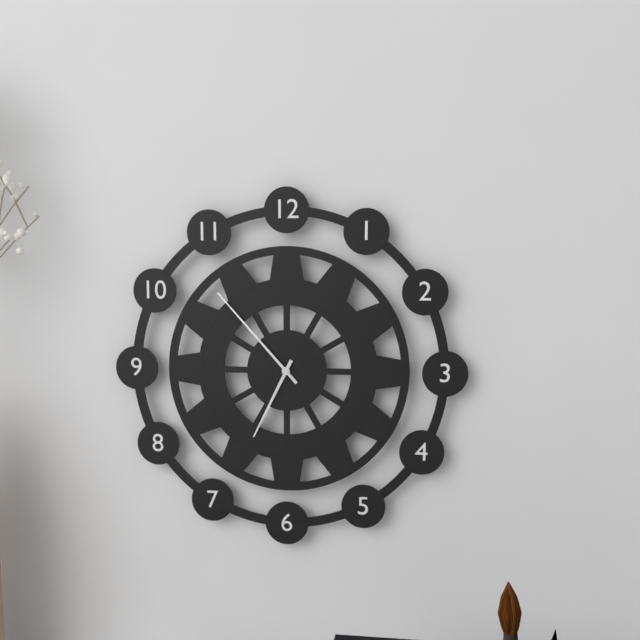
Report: 6:53
